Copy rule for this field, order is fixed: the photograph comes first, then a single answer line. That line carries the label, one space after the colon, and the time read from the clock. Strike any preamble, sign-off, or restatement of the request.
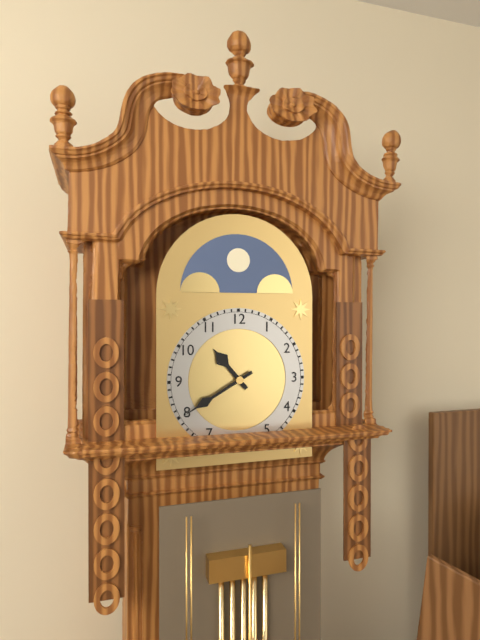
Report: 10:40
